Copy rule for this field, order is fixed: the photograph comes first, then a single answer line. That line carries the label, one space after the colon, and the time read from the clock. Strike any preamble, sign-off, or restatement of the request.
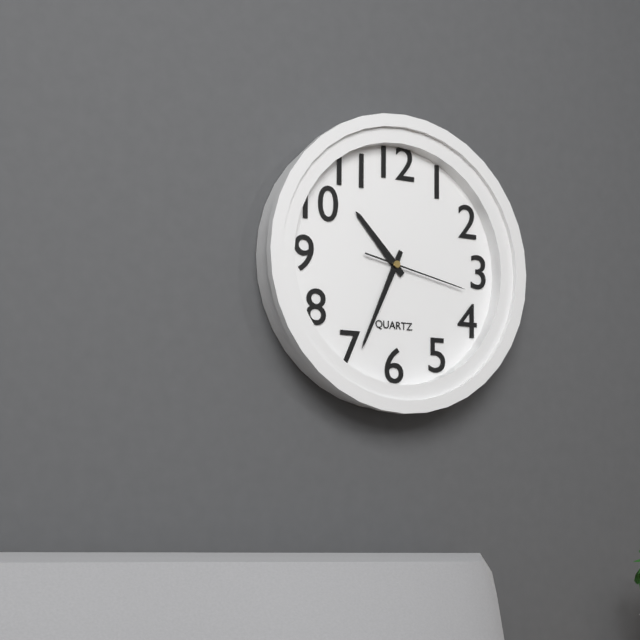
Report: 10:34:17
